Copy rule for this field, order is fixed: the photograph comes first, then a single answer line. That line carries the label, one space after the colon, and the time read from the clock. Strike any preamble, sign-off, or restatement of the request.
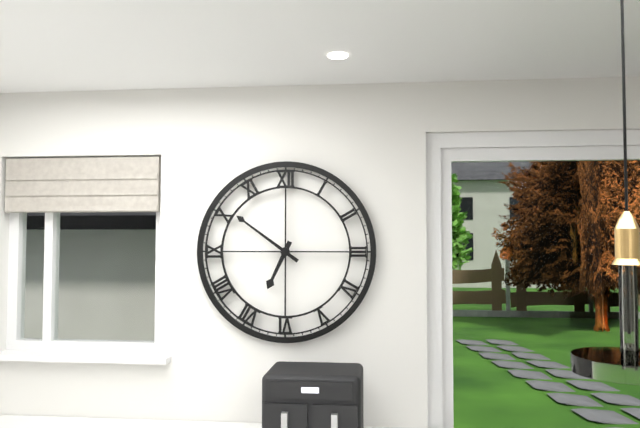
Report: 6:51
